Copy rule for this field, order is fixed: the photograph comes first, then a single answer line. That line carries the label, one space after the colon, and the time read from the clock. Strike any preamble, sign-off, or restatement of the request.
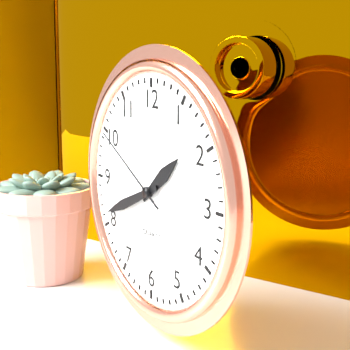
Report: 1:41:50
